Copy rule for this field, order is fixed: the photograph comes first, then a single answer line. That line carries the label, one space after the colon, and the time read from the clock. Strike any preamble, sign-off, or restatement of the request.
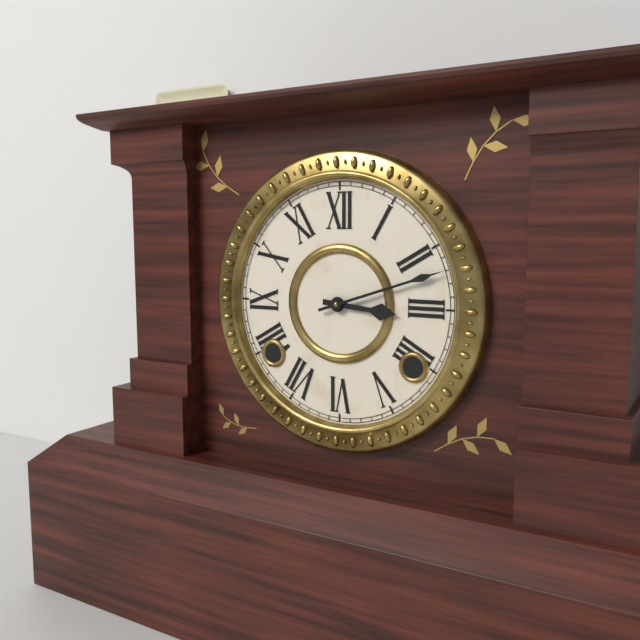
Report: 3:12
